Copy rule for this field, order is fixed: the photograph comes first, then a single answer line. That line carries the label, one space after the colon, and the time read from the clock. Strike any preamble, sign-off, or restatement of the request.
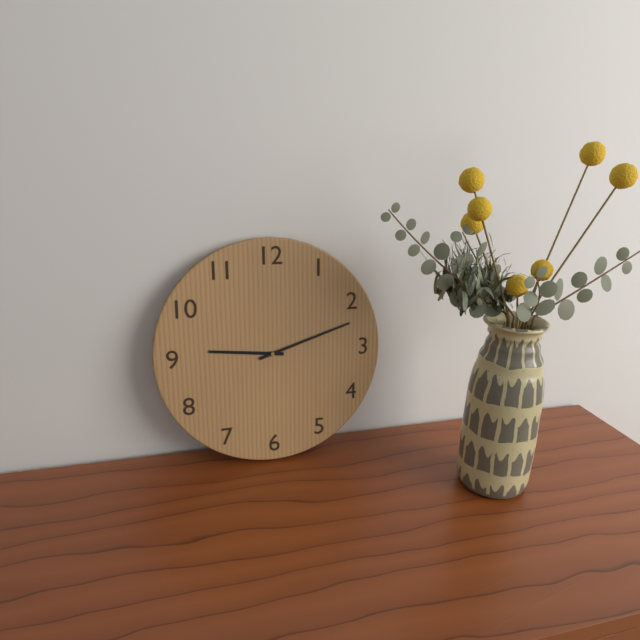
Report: 9:12
